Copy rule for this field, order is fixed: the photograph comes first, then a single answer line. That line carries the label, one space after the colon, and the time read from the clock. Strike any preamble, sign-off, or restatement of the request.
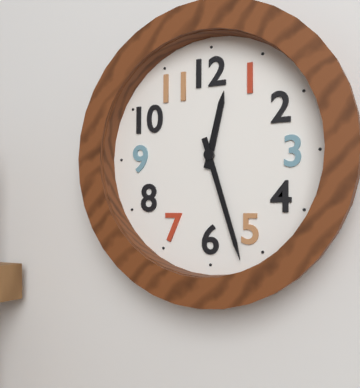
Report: 12:27
